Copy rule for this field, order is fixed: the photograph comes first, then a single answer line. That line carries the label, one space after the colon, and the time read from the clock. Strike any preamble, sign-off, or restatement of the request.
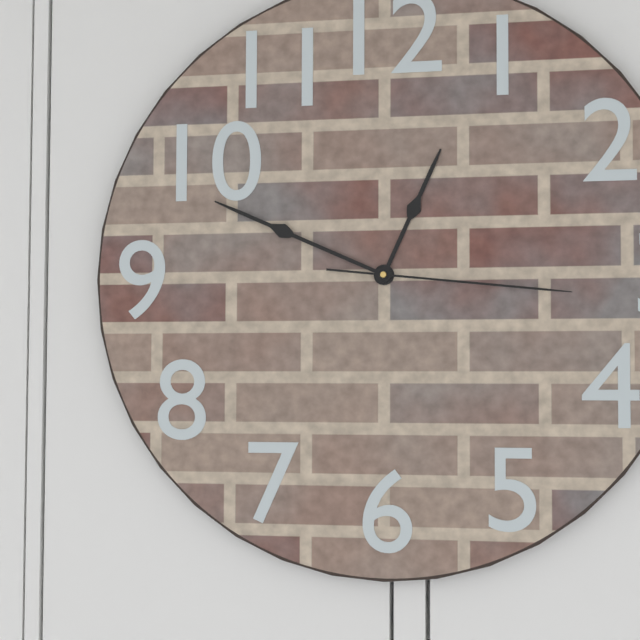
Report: 12:49:16
